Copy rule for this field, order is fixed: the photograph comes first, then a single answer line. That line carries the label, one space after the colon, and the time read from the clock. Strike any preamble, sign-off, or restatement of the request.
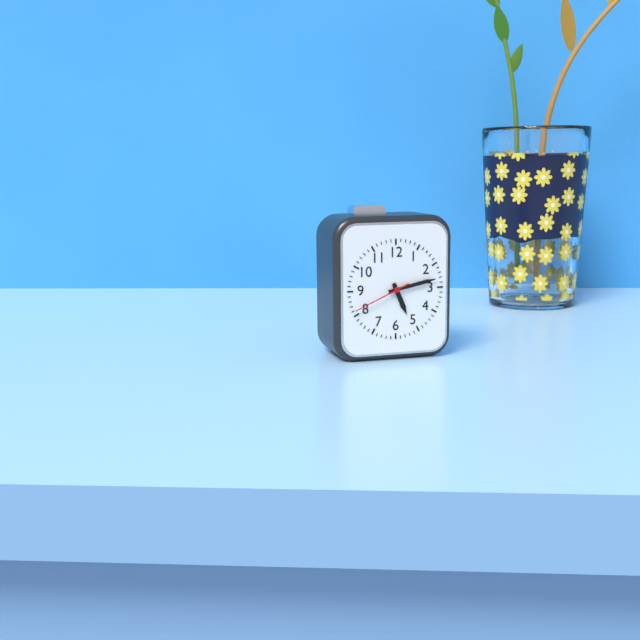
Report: 5:13:41
